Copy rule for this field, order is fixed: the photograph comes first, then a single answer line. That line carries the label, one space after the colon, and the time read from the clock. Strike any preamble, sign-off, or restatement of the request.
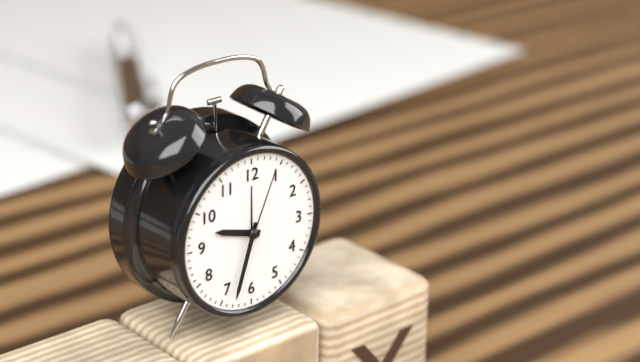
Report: 9:33:04
